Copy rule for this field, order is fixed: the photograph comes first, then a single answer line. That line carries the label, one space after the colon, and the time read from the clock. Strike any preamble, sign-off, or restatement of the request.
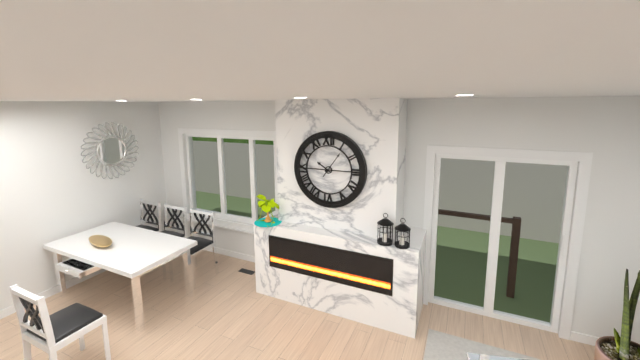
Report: 10:06
